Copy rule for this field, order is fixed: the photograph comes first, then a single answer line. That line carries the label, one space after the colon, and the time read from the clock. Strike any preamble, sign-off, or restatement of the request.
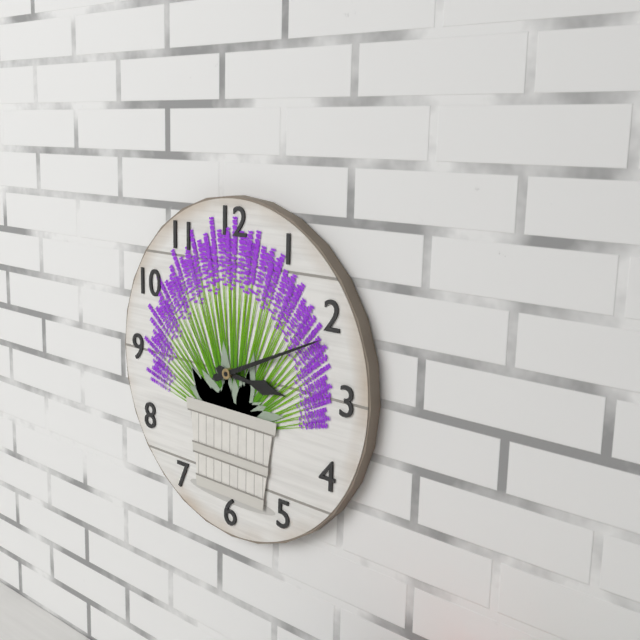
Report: 3:11
